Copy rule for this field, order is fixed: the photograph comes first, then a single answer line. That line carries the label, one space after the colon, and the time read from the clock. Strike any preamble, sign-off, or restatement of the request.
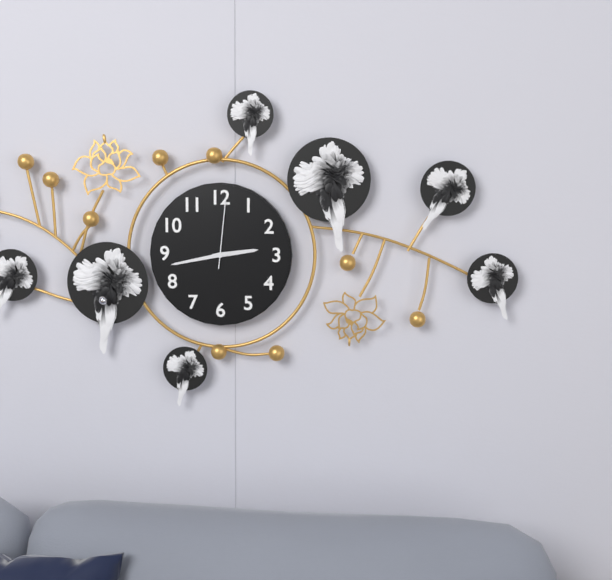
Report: 2:43:01
